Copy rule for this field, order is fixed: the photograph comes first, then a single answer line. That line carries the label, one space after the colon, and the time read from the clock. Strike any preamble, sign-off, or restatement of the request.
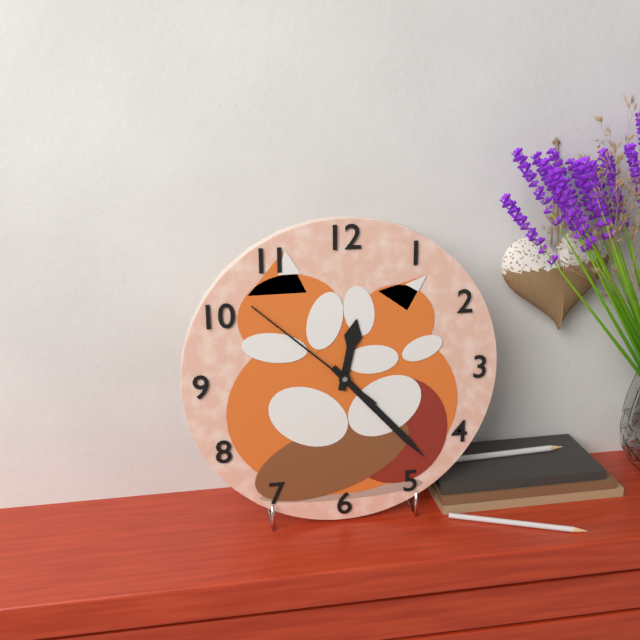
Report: 12:23:52
